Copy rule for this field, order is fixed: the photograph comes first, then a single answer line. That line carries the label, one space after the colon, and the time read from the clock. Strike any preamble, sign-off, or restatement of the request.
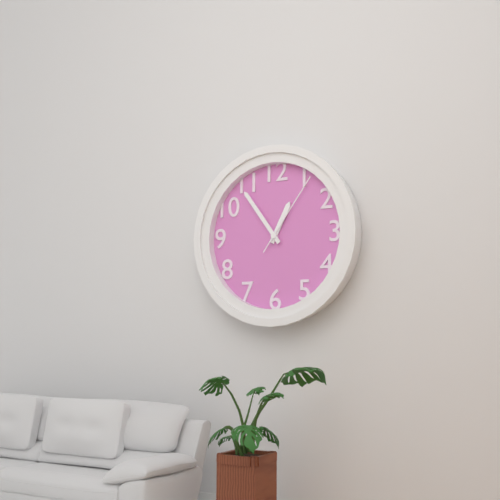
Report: 12:54:06
